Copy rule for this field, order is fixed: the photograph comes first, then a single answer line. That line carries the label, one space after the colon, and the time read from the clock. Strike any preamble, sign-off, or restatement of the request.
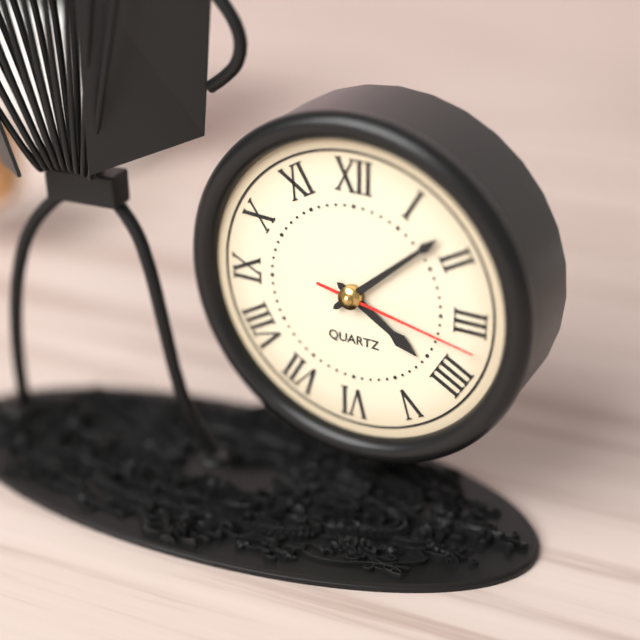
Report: 4:08:17
